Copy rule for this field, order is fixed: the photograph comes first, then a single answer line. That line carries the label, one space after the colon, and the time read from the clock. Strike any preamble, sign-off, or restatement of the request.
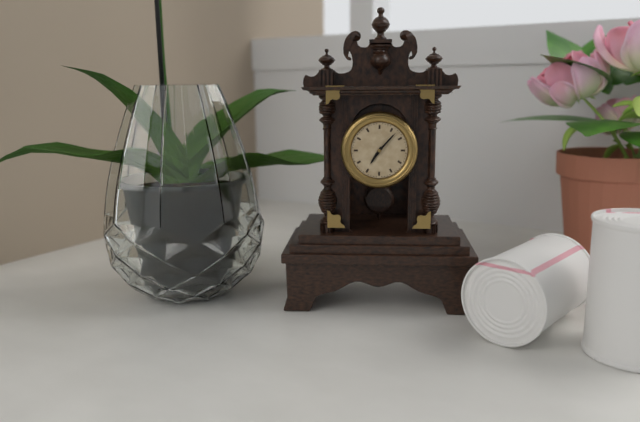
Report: 7:07
